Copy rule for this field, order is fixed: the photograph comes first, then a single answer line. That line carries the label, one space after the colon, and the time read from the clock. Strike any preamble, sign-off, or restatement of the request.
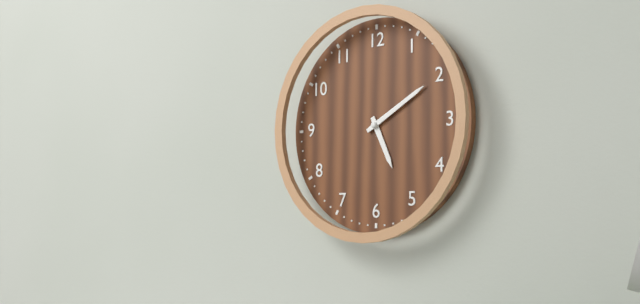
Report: 5:10
